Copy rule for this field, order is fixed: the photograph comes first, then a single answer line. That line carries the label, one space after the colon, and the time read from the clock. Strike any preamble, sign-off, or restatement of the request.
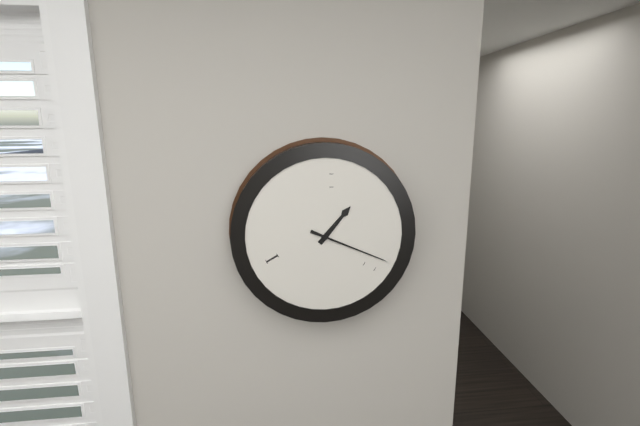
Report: 1:19
